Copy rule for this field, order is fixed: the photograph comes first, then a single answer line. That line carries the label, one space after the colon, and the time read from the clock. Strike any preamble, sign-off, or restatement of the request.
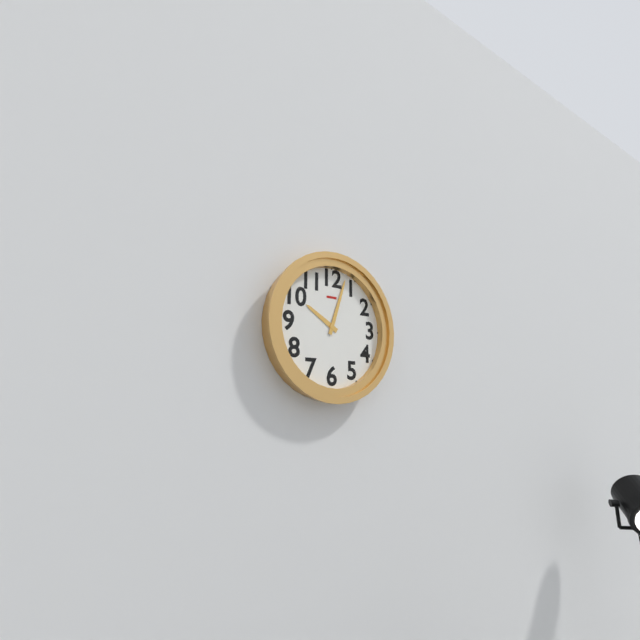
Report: 10:03
